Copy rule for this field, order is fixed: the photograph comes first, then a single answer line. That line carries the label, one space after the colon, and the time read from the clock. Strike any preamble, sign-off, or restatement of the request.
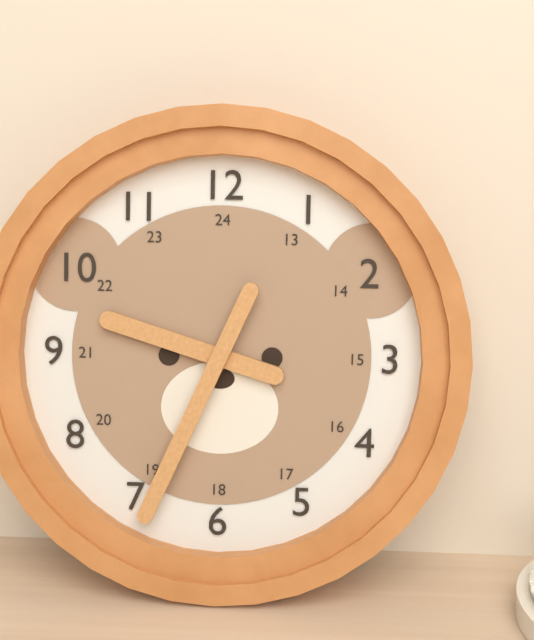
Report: 9:34
